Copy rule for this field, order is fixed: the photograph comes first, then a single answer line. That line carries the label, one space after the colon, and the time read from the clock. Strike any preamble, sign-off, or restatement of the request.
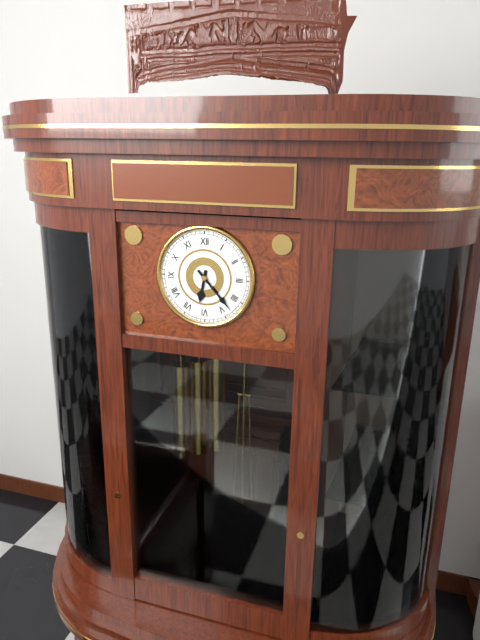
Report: 6:23
